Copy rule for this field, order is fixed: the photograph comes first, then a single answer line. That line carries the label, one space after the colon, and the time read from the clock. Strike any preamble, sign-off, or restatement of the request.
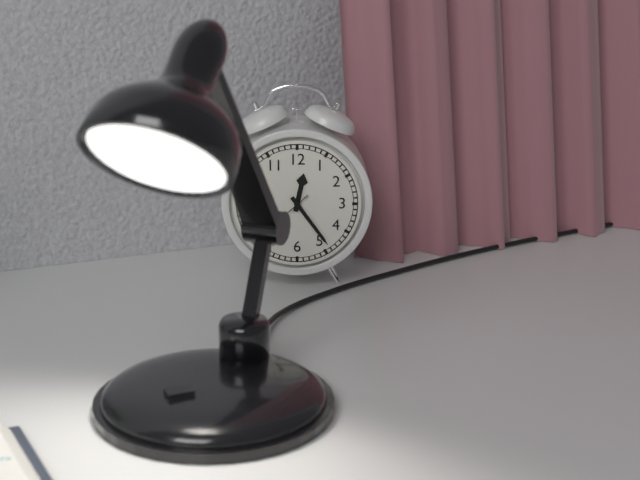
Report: 12:24
